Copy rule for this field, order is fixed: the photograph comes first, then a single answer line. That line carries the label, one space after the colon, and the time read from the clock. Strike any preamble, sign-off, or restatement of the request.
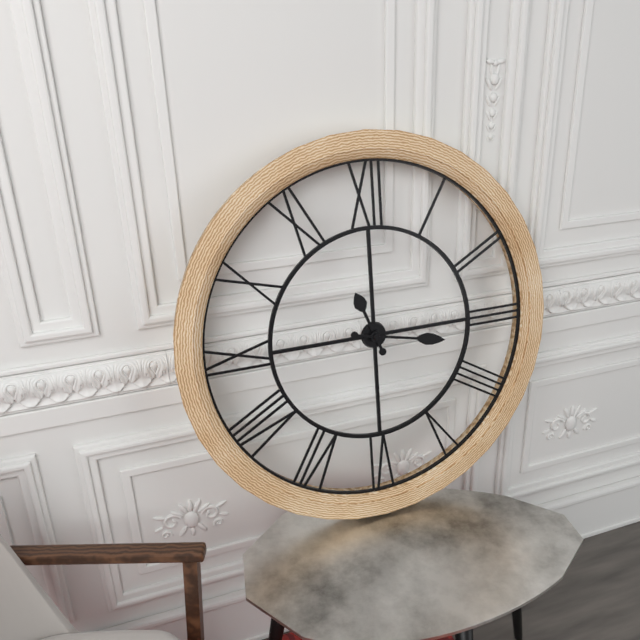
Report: 11:17
